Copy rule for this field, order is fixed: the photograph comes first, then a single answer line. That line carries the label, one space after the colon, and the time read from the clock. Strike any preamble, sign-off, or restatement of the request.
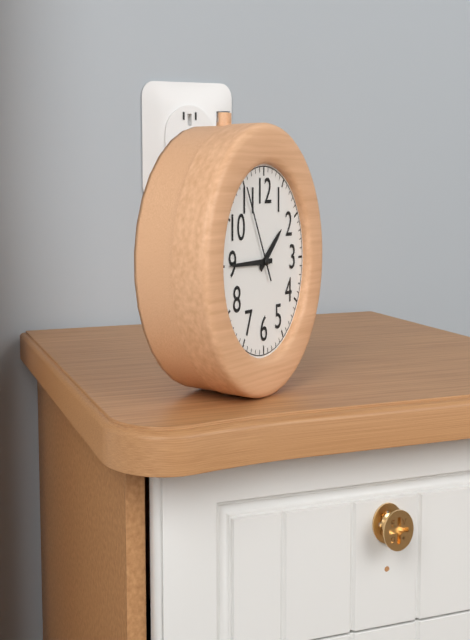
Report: 1:45:55
